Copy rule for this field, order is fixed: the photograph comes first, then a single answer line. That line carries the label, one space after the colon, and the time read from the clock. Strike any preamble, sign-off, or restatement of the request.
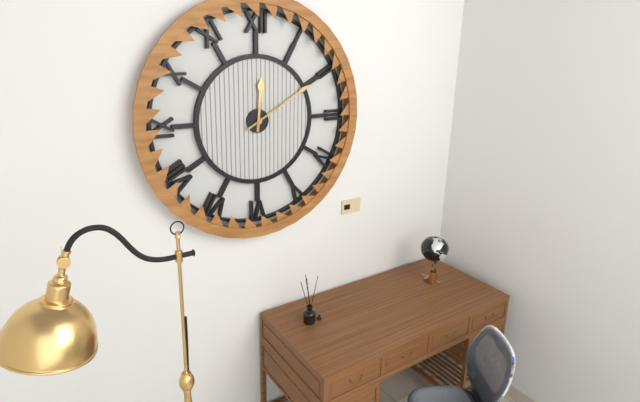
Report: 12:10
